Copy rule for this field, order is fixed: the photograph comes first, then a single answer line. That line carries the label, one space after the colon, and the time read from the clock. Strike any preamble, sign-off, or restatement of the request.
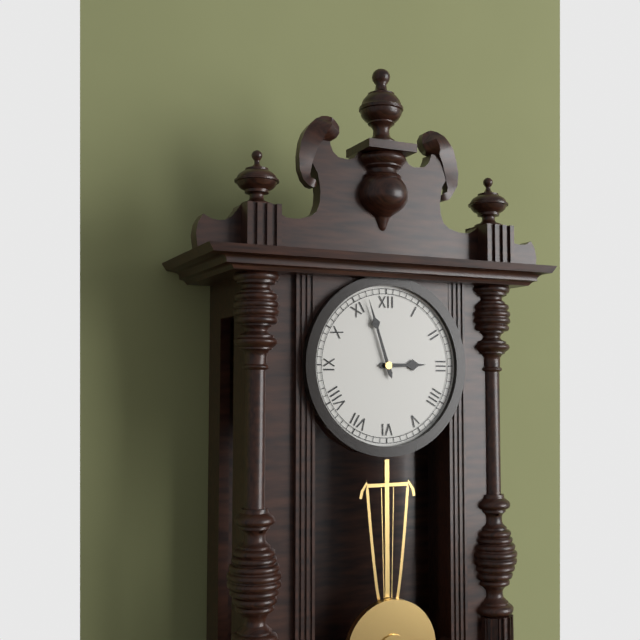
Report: 2:57
